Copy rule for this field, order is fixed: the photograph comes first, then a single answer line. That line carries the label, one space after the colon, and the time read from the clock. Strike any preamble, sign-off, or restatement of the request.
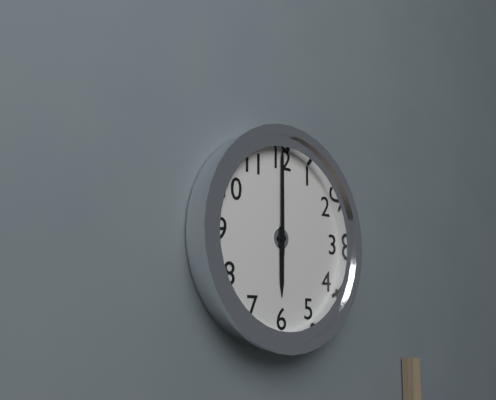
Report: 6:00
